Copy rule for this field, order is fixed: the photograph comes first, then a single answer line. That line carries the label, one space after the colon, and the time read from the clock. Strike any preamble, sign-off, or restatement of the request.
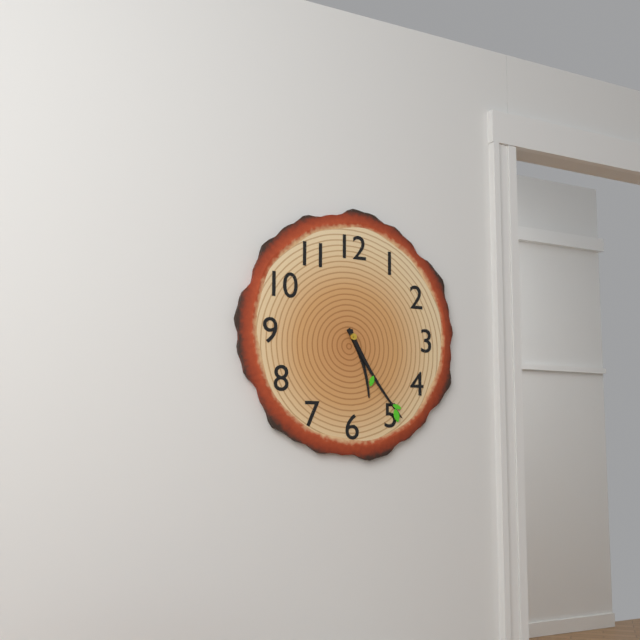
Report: 5:24
